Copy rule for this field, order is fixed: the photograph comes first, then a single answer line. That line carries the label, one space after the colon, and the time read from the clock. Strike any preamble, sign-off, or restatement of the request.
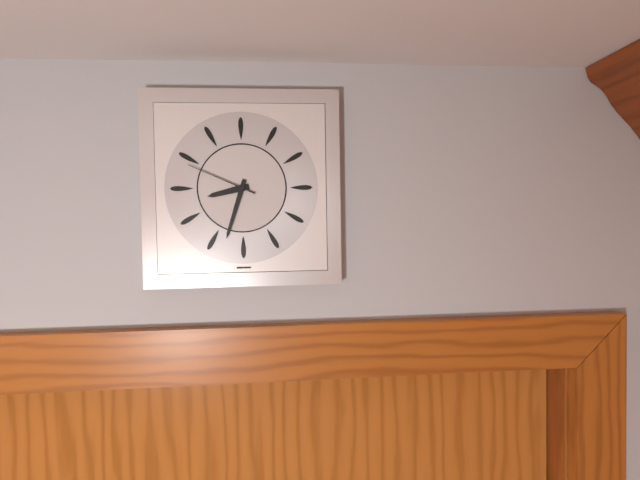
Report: 8:33:49
